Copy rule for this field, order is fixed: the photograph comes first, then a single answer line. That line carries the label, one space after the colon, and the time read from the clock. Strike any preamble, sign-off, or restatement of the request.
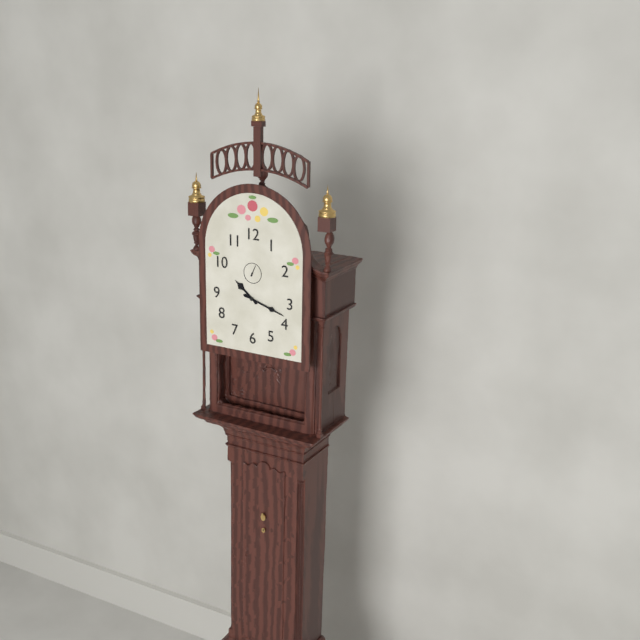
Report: 10:18
